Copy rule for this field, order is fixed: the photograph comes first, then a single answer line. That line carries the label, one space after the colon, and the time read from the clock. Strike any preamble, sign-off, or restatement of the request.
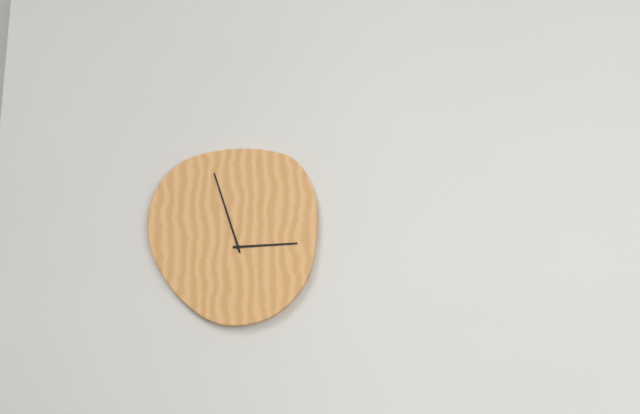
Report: 2:57
